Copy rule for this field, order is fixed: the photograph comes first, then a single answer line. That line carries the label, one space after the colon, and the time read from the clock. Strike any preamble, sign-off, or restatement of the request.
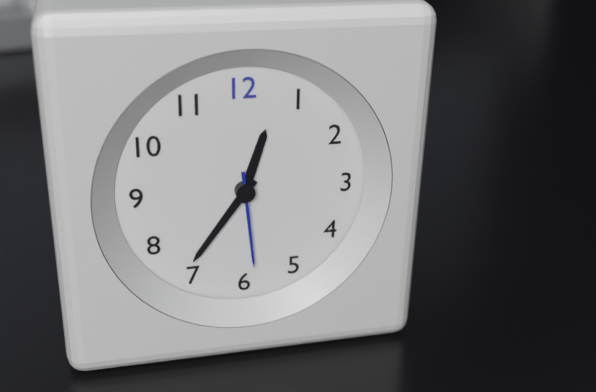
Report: 12:36:29
